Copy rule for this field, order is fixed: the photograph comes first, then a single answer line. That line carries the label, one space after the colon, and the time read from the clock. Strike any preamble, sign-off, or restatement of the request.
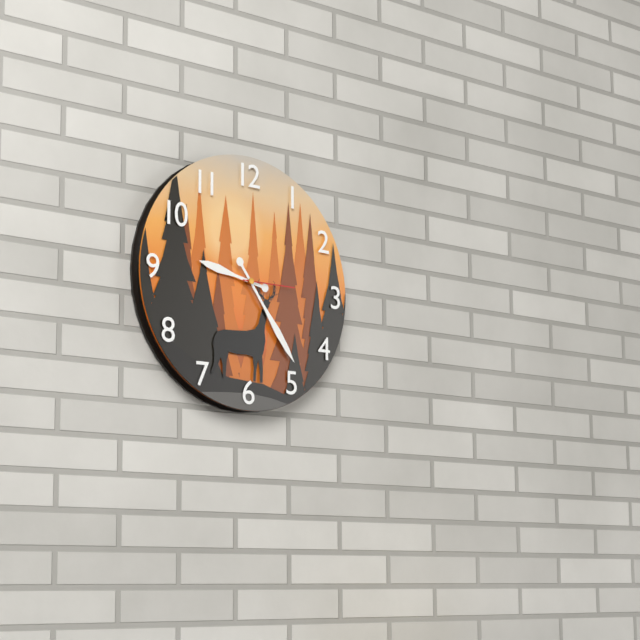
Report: 9:24:15
